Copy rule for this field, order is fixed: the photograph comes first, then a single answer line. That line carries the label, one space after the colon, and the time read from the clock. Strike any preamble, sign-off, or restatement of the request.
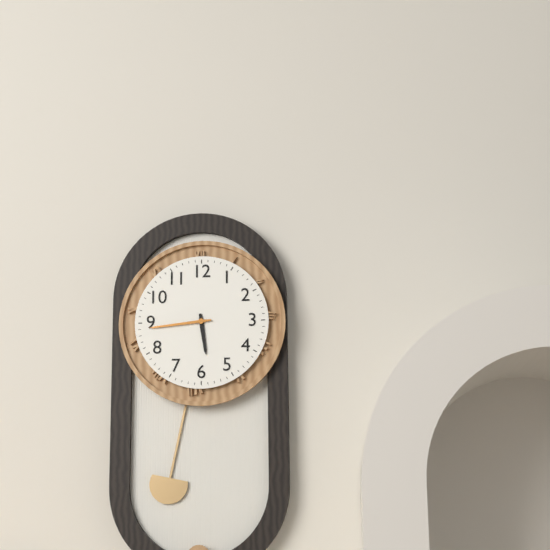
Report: 5:44
